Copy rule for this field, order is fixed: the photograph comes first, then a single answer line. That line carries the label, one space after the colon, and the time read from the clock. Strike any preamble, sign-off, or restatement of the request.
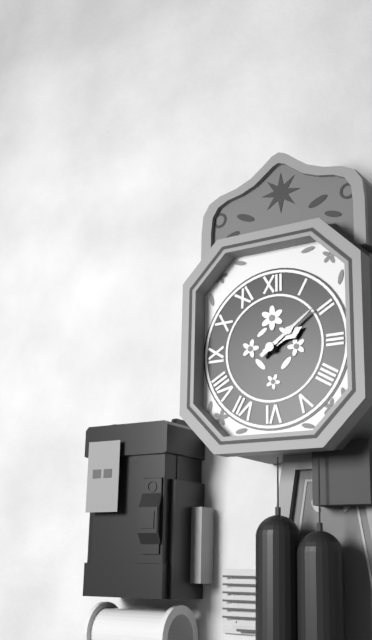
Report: 2:09
